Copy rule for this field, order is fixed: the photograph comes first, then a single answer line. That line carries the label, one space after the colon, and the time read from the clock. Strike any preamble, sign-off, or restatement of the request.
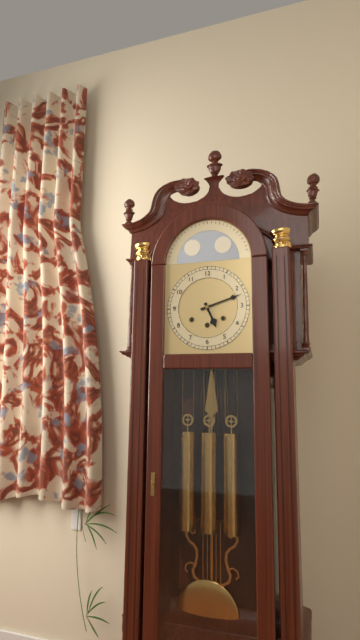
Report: 5:12
